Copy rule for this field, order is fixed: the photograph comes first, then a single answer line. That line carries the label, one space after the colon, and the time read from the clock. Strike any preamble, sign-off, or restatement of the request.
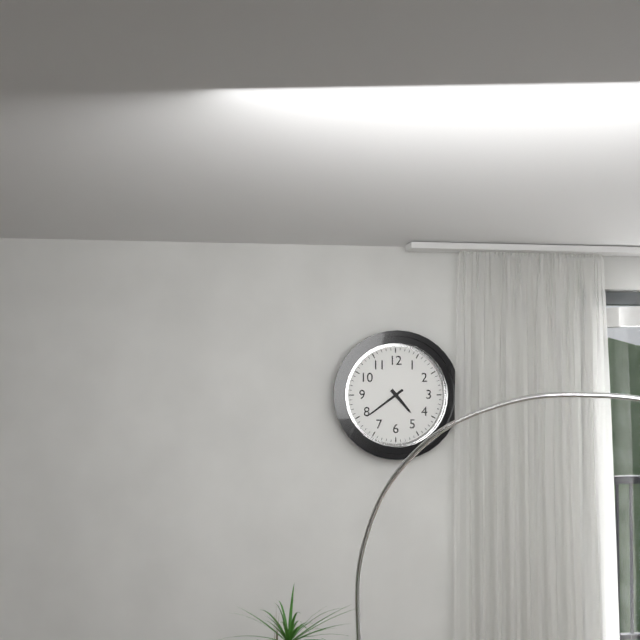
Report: 4:39
